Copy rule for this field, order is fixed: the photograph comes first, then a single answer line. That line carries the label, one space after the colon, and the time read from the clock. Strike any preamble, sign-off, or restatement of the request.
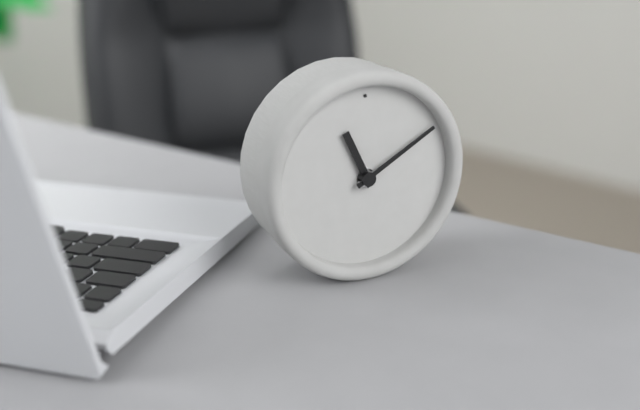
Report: 11:10
